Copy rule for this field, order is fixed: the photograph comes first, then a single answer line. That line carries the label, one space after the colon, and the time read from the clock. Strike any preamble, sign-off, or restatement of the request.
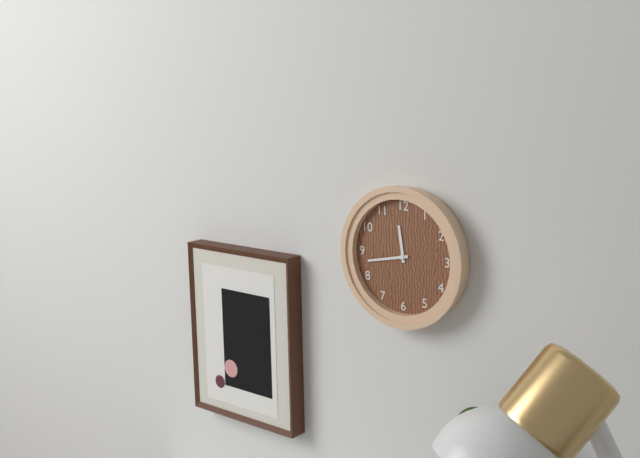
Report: 11:43
